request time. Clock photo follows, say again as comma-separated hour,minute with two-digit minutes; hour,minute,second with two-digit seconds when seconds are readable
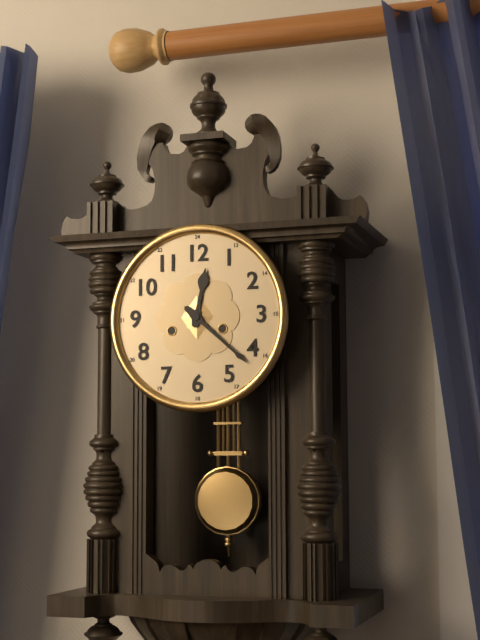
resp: 12,22
